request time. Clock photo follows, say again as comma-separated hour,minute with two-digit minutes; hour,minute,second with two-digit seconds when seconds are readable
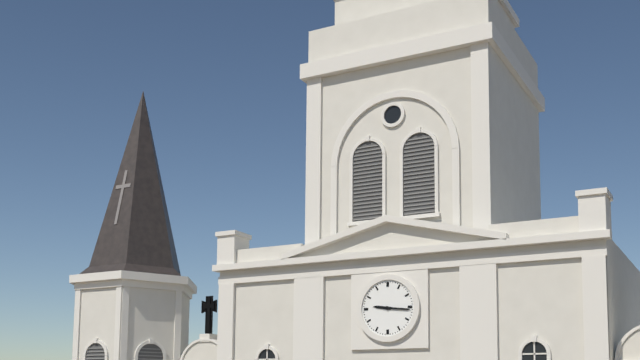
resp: 9,16
